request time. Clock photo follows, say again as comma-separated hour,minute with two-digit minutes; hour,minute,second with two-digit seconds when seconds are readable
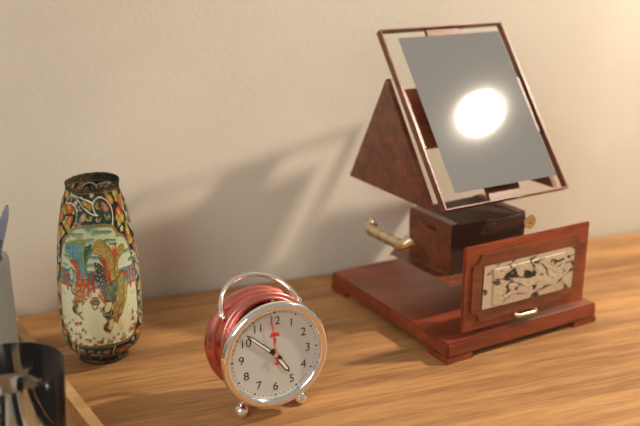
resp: 4,52,59
